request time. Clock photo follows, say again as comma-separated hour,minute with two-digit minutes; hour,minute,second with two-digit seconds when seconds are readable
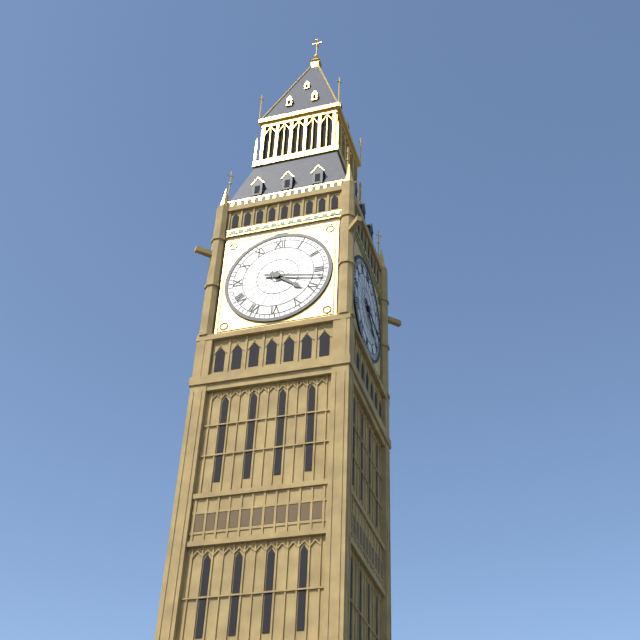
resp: 4,17
